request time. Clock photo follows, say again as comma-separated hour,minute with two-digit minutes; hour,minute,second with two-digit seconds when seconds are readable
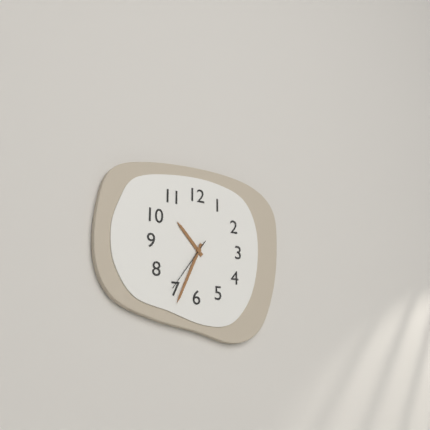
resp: 10,34,36
